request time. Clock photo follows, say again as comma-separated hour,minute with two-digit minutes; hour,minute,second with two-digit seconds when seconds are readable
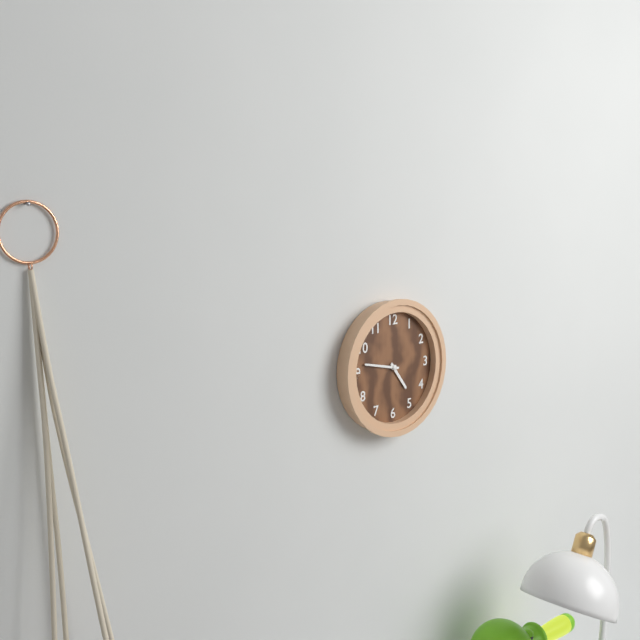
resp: 4,47
